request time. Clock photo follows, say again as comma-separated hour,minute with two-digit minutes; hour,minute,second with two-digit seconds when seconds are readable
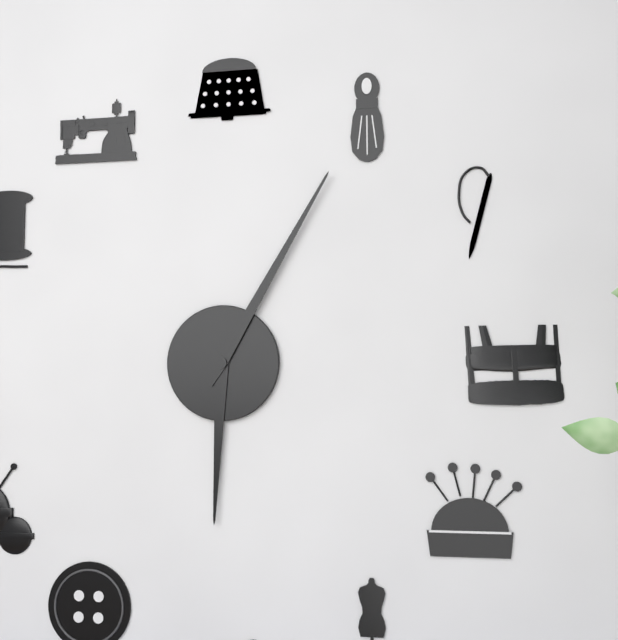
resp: 6,05
